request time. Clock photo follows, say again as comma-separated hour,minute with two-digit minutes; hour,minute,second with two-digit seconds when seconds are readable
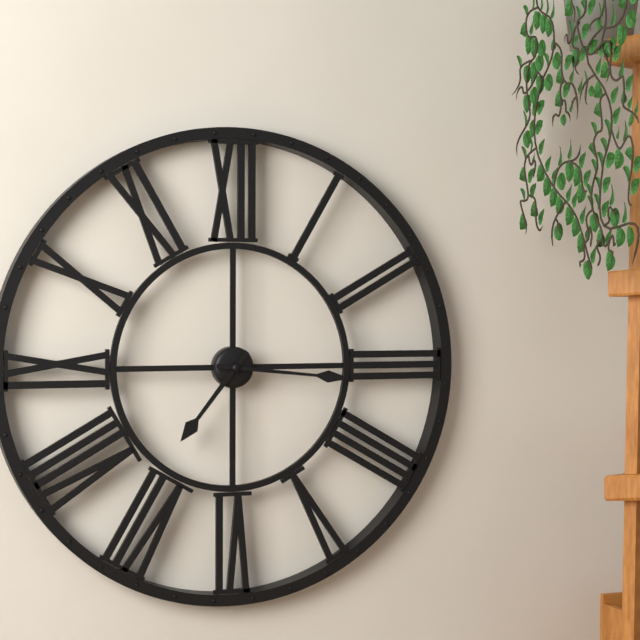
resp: 7,16
